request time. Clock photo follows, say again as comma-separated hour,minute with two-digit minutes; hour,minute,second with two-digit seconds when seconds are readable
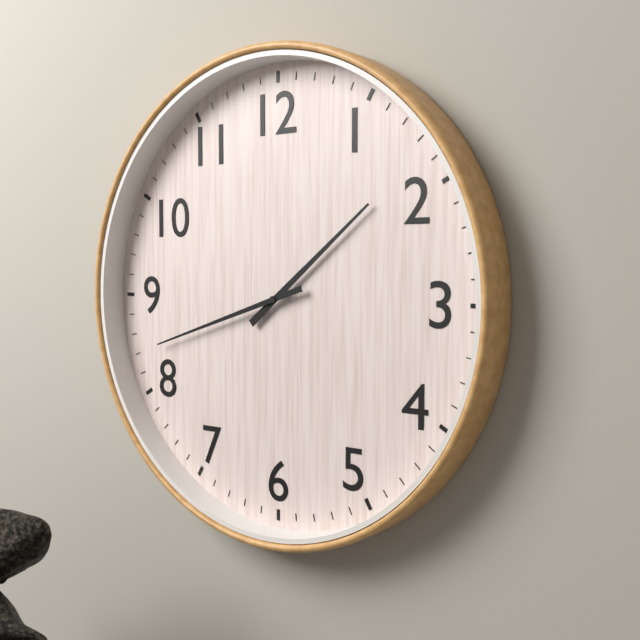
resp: 1,42
